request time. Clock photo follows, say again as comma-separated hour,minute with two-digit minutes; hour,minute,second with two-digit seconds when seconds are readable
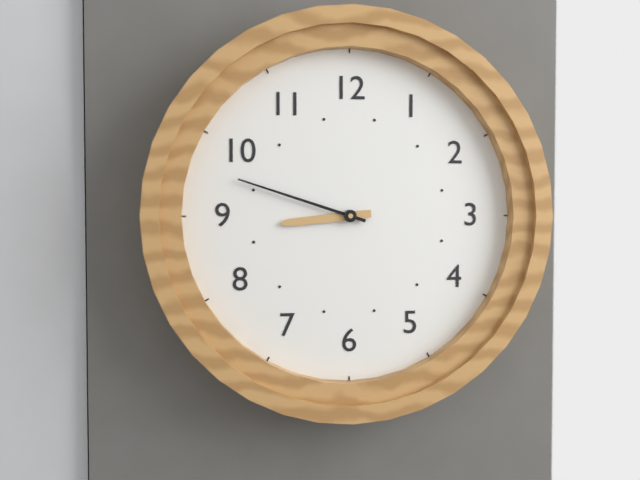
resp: 8,48
